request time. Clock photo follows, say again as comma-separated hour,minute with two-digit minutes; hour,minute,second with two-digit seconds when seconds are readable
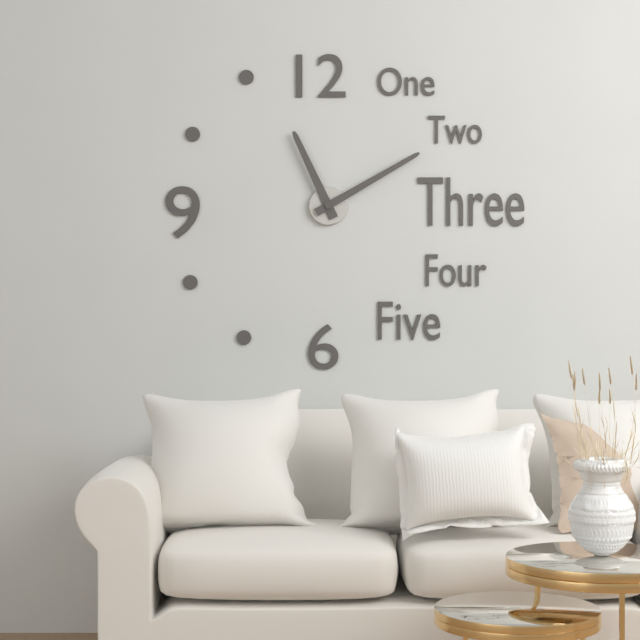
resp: 11,10
